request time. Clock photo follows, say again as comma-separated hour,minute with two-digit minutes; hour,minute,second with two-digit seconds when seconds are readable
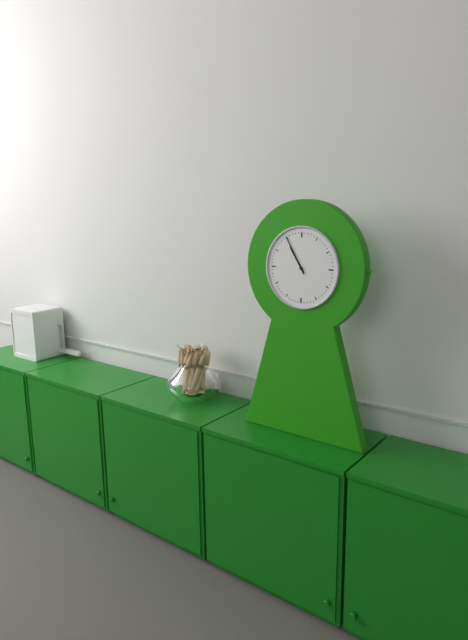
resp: 10,55
